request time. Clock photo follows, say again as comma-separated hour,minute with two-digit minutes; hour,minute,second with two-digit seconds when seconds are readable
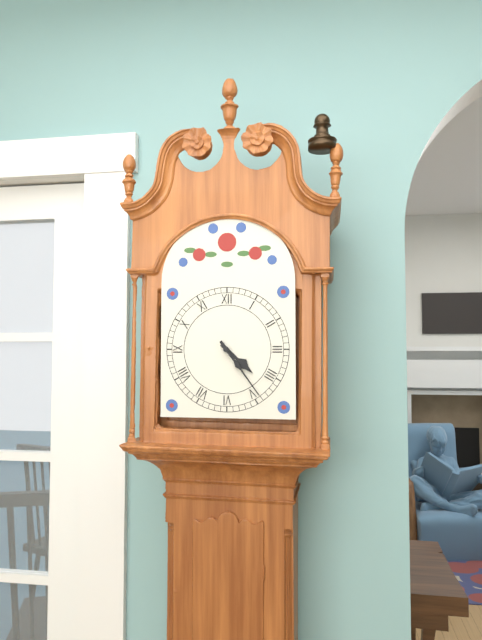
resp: 4,24
